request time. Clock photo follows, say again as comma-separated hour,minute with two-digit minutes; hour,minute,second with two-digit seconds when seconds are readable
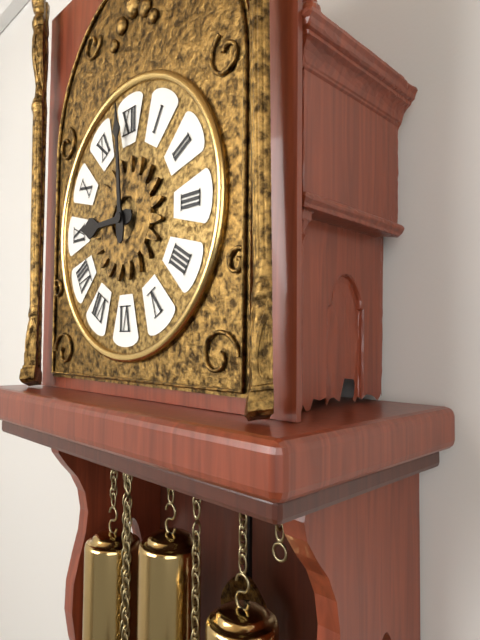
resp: 8,59
